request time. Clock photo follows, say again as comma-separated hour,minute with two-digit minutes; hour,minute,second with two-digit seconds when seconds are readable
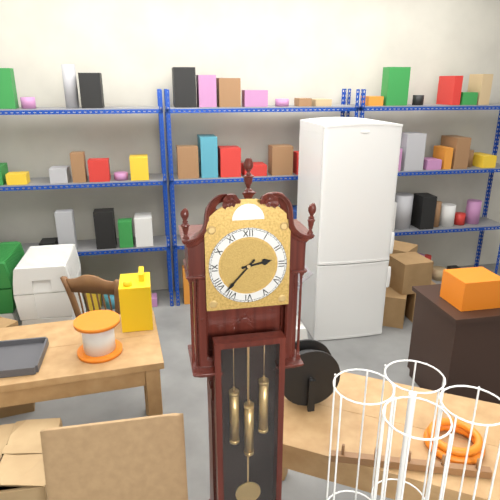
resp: 2,37
